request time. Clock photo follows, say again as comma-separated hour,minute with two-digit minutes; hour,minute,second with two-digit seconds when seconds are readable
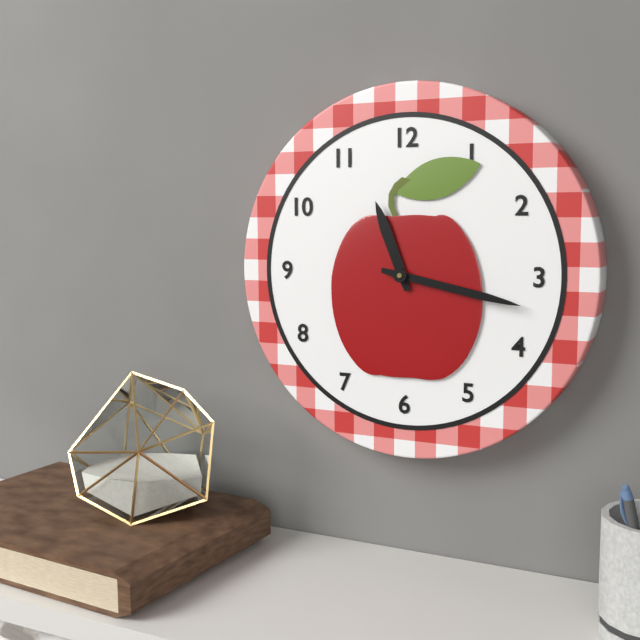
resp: 11,17
